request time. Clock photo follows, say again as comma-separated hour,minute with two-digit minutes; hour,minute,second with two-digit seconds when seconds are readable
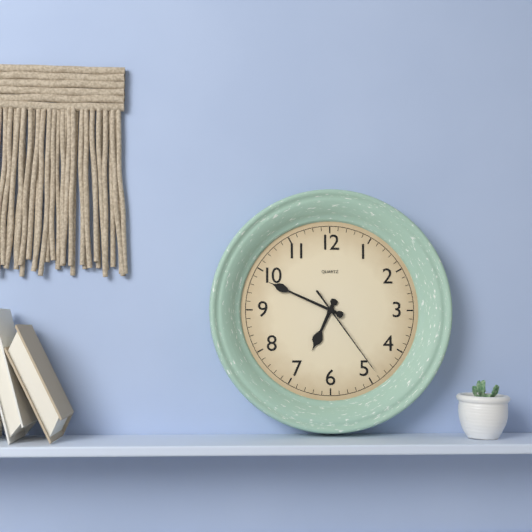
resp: 6,49,24
